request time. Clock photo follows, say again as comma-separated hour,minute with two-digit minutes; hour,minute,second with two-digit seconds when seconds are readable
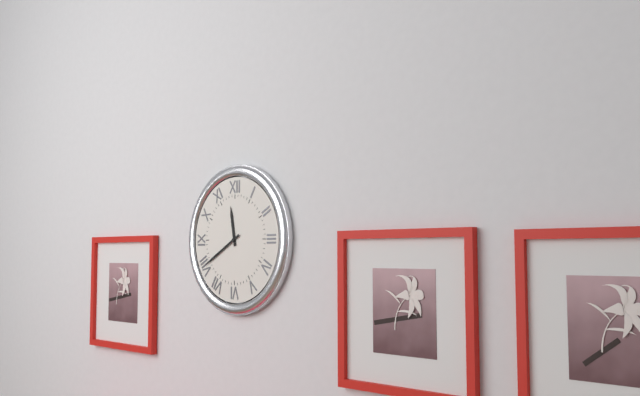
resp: 11,40
